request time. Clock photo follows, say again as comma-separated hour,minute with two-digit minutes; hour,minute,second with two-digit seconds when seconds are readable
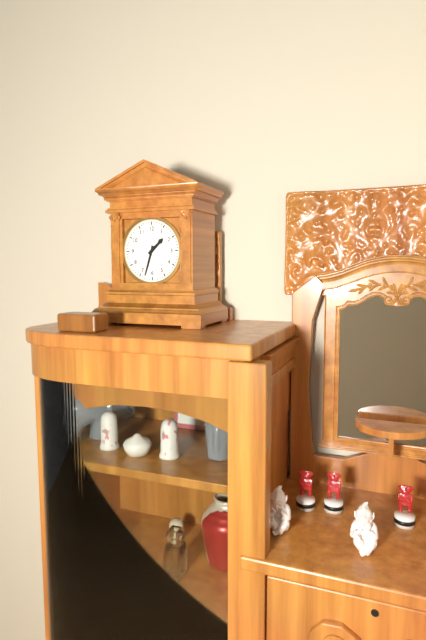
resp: 1,33
